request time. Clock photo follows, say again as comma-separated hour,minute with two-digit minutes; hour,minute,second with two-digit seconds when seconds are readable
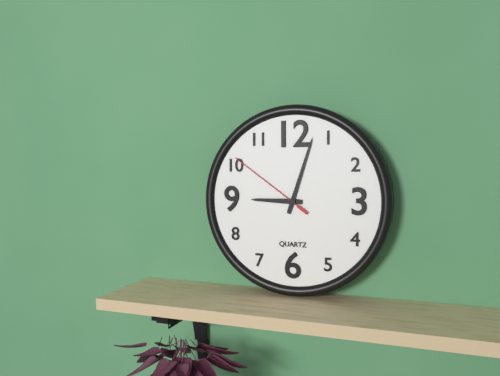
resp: 9,03,51
